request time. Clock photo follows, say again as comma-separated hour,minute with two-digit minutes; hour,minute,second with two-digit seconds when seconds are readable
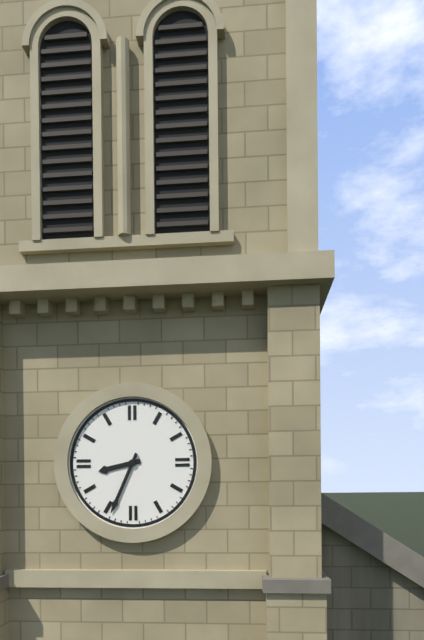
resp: 8,34
